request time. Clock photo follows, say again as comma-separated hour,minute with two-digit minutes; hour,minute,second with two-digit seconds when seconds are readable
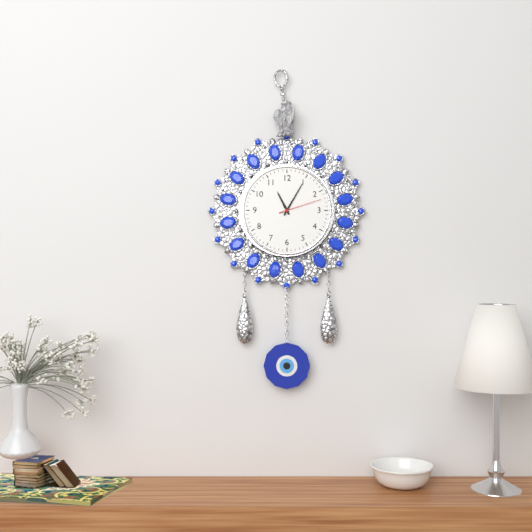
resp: 11,05
